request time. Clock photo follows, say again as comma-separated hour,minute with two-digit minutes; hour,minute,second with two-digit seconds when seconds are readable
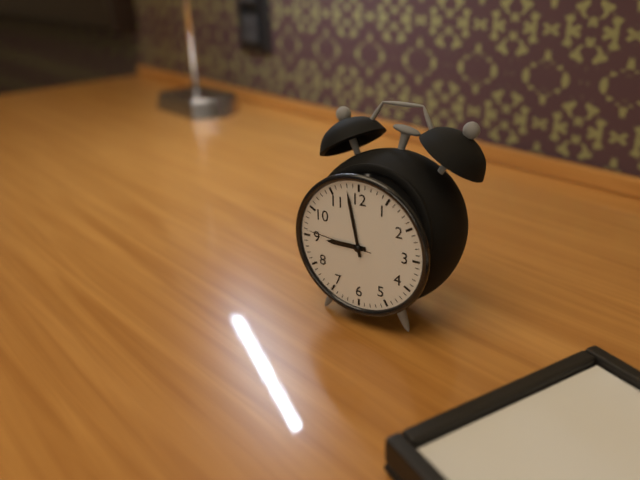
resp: 8,58,46
